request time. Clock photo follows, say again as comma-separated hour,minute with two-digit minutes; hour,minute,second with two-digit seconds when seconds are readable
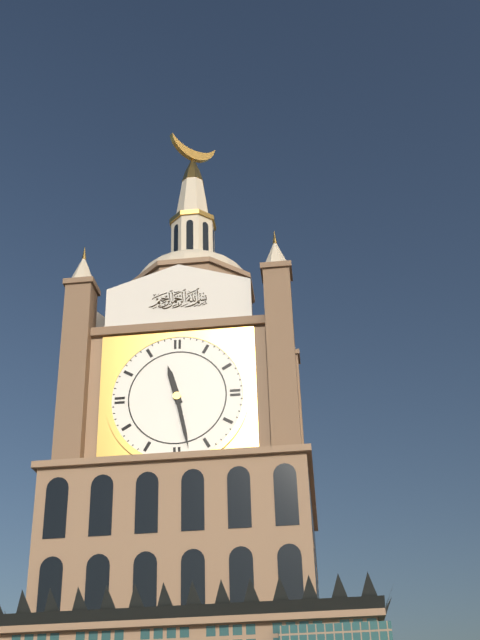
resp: 11,28
